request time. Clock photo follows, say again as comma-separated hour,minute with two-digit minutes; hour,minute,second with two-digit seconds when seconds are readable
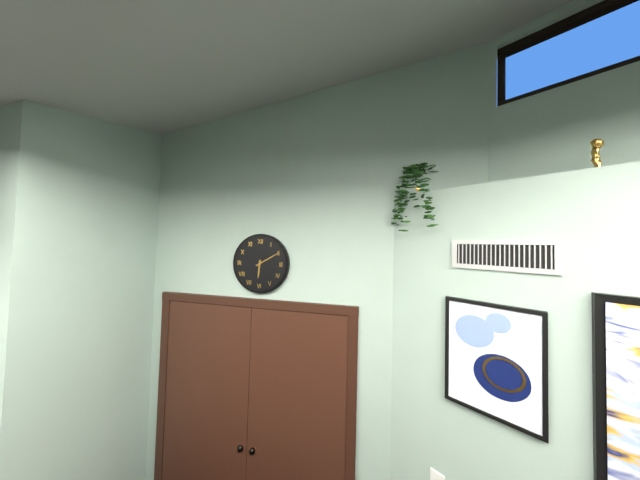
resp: 6,10
